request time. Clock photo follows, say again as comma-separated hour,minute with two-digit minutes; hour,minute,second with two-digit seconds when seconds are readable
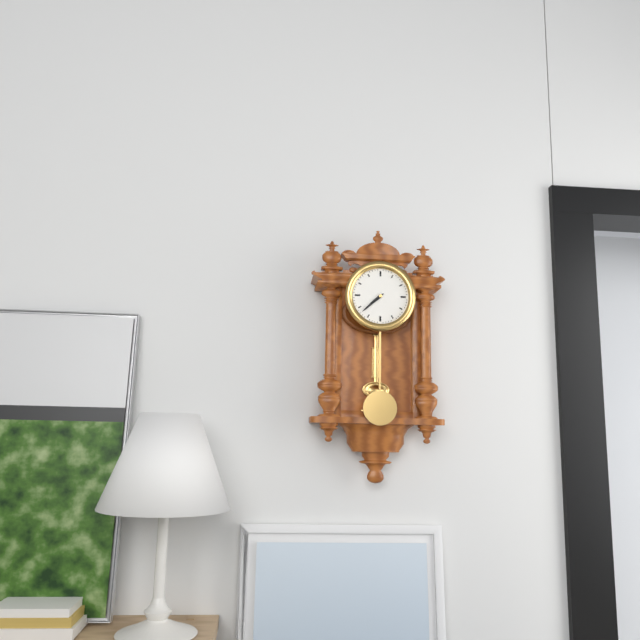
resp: 7,38
